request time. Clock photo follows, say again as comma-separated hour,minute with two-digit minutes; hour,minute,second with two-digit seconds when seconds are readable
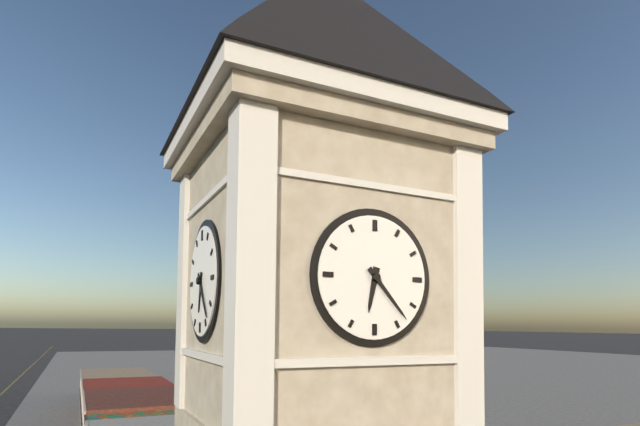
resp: 6,23
